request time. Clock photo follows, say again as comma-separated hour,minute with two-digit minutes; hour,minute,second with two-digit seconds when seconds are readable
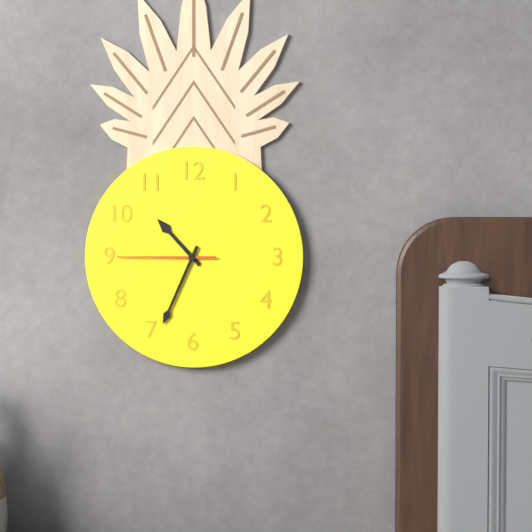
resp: 10,34,45
